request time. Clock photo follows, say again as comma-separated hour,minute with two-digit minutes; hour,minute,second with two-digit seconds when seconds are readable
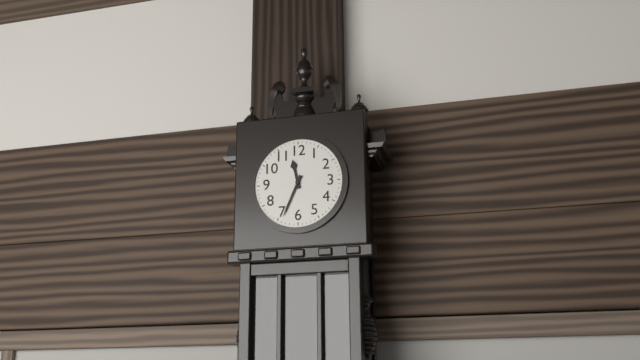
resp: 11,34
